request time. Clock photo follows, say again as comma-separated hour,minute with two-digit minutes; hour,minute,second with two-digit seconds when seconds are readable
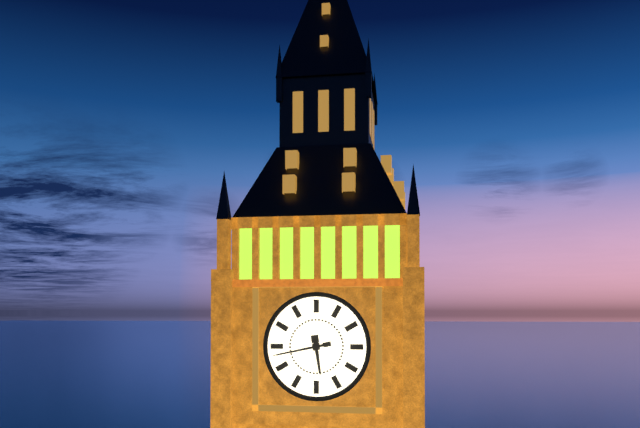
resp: 5,43
